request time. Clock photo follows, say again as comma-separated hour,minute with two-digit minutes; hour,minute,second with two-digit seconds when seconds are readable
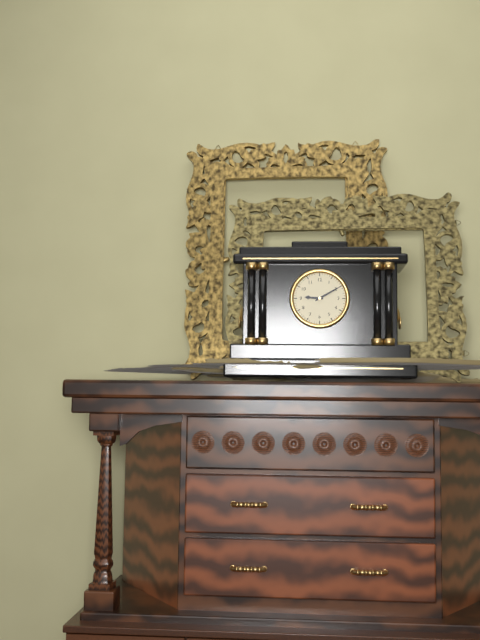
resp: 9,10
